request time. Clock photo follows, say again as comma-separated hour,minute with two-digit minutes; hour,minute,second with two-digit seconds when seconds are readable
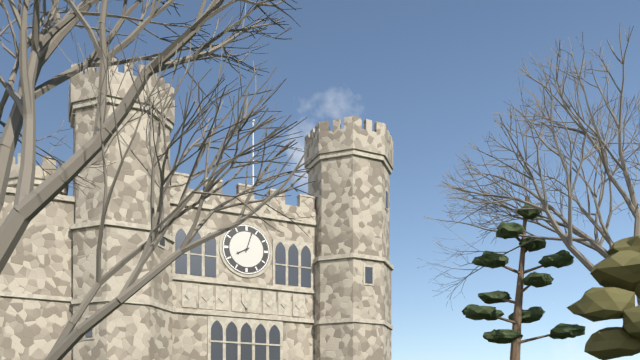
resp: 8,03
